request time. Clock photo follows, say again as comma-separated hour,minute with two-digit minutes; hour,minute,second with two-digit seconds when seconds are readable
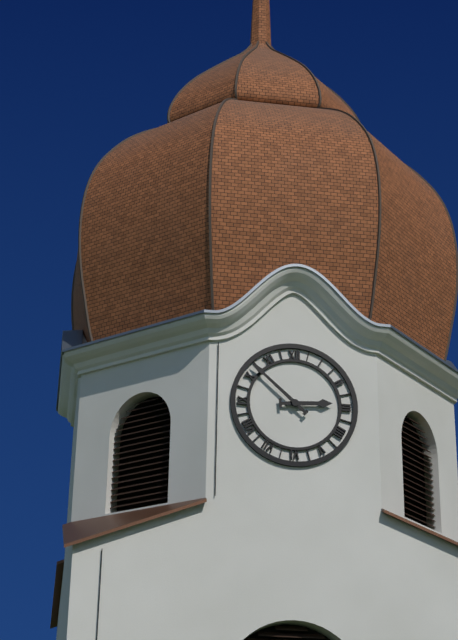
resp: 2,52
